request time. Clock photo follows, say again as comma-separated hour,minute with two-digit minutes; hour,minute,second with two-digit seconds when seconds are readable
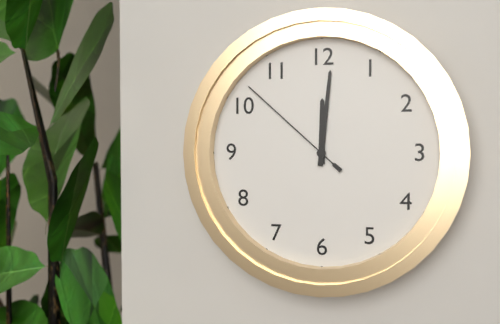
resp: 12,01,52
